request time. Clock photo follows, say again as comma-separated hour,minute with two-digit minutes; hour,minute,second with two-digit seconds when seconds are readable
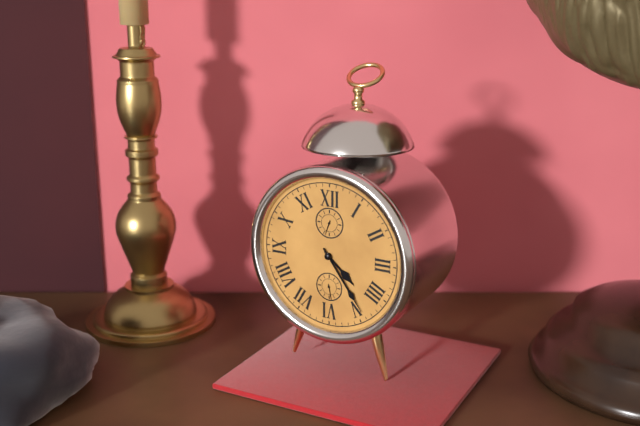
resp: 4,24
